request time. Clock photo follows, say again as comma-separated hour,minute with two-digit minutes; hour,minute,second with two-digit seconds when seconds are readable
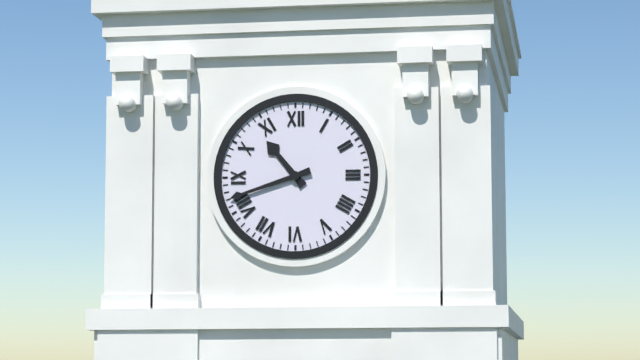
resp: 10,42
